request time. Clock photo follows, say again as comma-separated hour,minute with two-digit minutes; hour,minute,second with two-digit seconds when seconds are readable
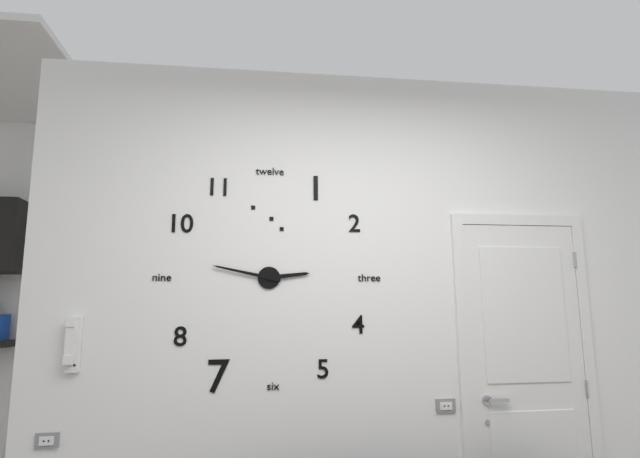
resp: 2,47
